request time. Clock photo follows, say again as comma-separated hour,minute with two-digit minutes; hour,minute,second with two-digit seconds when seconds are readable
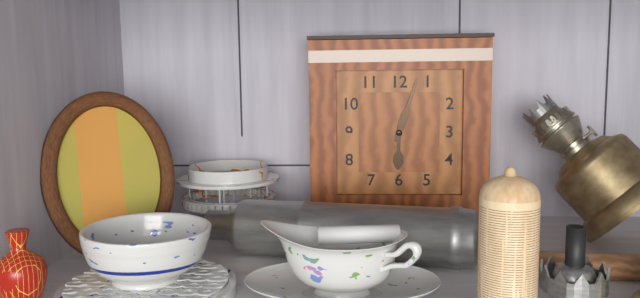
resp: 6,03
